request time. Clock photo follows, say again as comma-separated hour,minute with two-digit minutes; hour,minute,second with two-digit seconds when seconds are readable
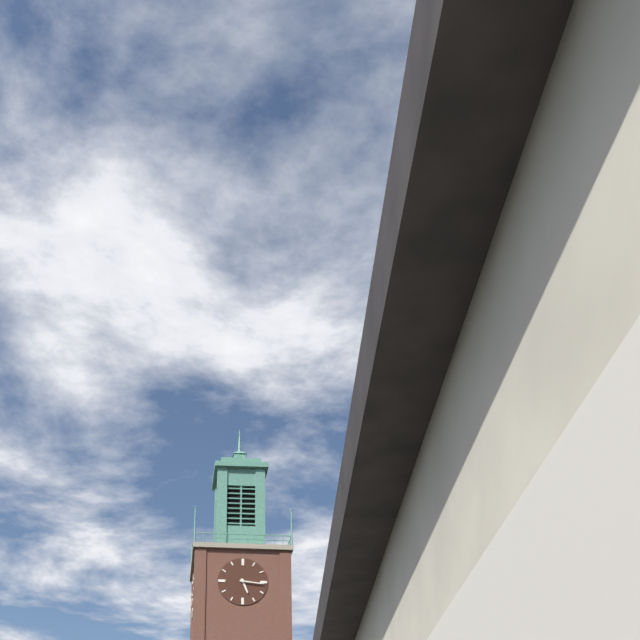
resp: 5,16
